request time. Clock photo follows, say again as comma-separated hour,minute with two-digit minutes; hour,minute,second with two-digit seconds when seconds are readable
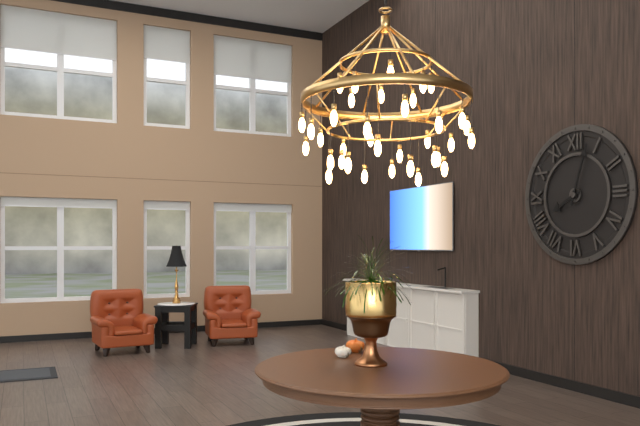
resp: 8,03
